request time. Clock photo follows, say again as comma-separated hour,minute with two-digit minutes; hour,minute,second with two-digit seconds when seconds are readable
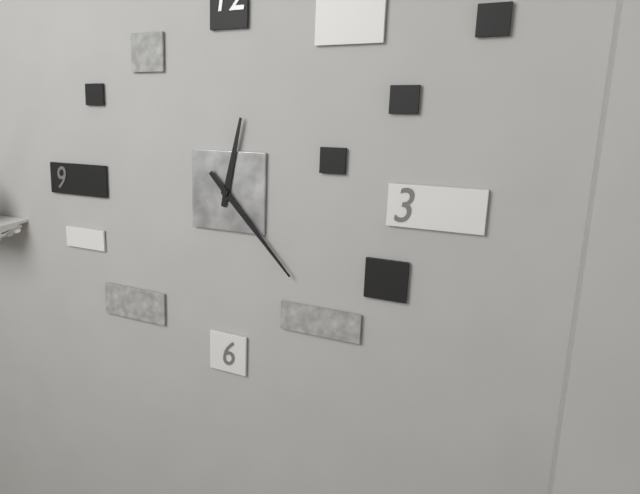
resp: 12,23
